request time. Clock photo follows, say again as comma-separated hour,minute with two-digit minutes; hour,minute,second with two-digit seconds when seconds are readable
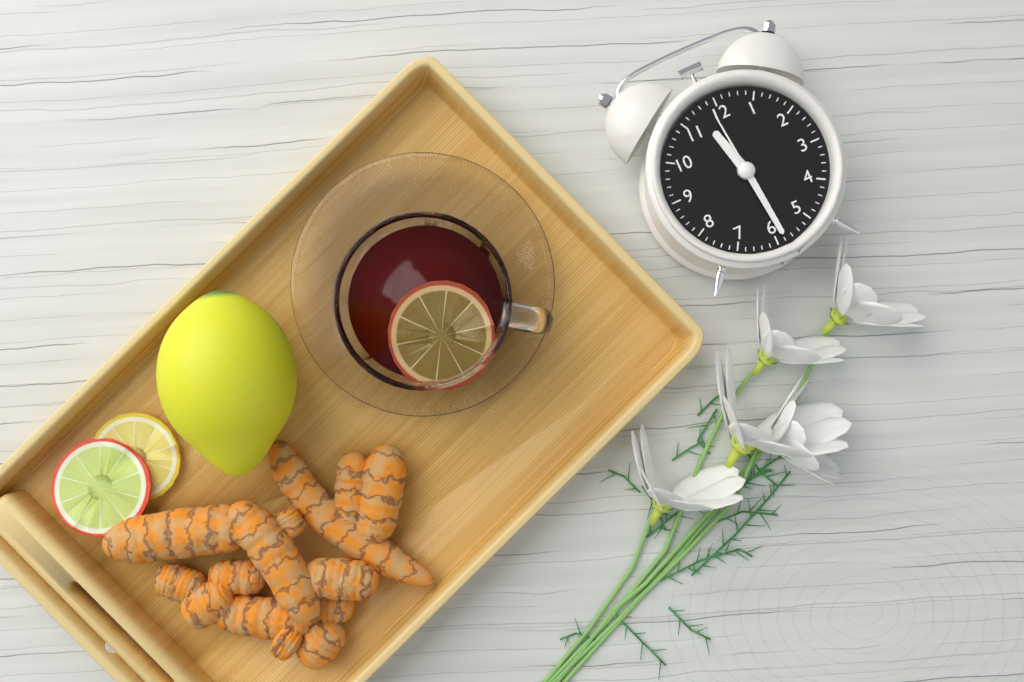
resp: 11,29,59
